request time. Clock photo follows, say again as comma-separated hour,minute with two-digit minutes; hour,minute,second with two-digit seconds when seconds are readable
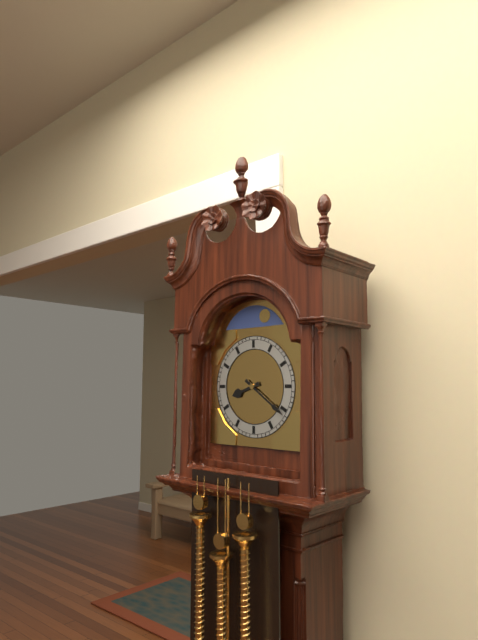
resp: 8,21
